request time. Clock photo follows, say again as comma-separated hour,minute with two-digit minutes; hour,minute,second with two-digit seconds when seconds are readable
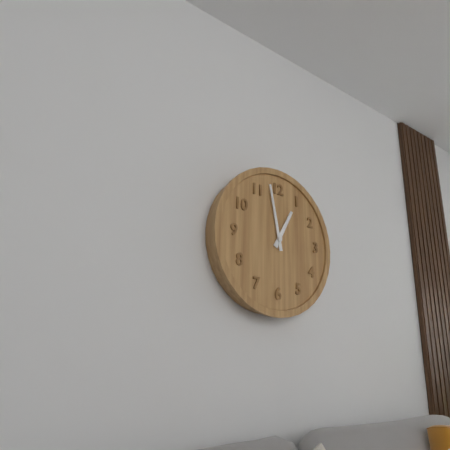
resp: 12,58
